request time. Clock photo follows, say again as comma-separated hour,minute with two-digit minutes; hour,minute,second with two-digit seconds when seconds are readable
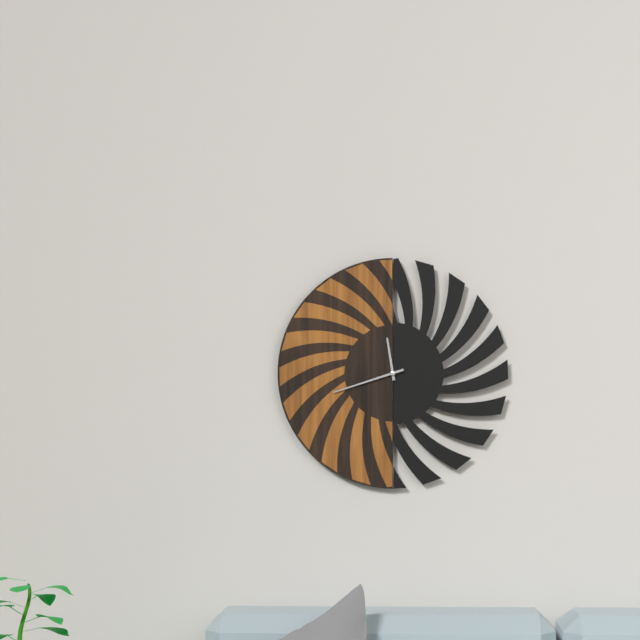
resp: 11,42
